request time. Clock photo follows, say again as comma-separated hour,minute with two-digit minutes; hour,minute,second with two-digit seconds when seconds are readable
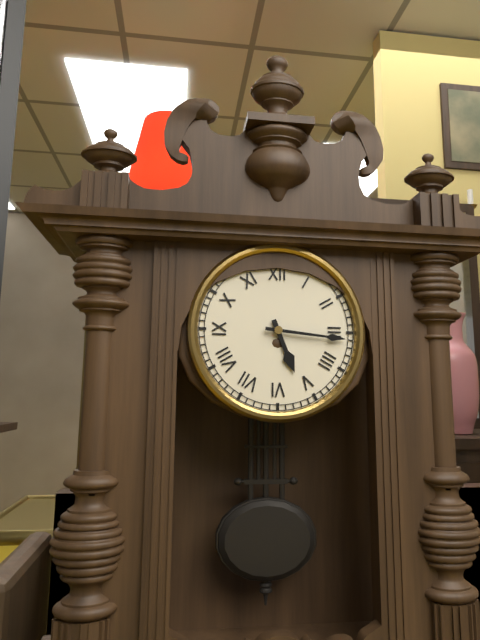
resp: 5,16
